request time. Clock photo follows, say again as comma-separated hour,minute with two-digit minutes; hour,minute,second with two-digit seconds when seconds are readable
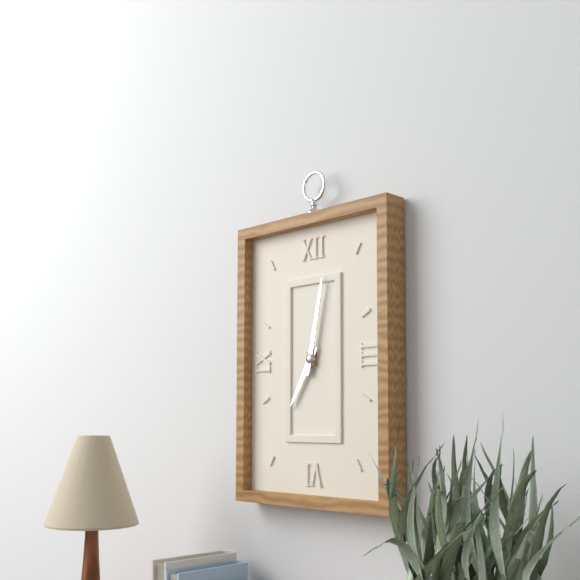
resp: 7,02
